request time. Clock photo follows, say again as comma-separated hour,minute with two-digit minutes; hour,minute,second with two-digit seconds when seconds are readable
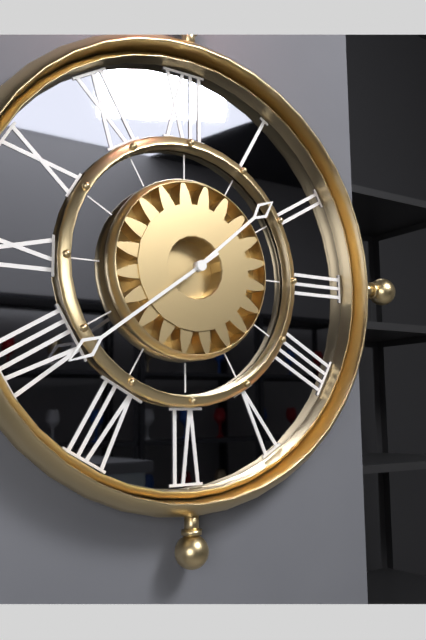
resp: 1,39
